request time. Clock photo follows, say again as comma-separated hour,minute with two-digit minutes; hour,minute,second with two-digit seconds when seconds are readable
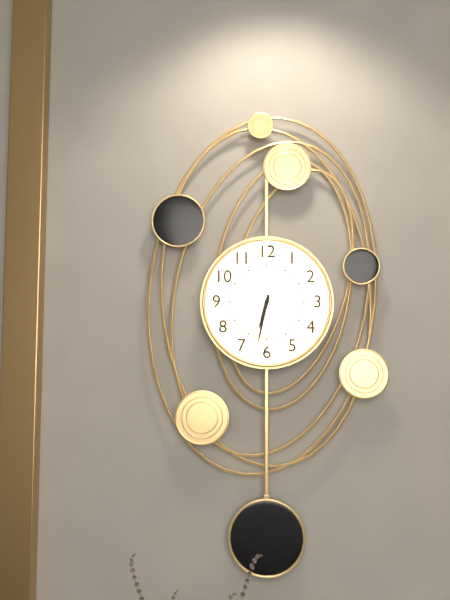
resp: 6,32
